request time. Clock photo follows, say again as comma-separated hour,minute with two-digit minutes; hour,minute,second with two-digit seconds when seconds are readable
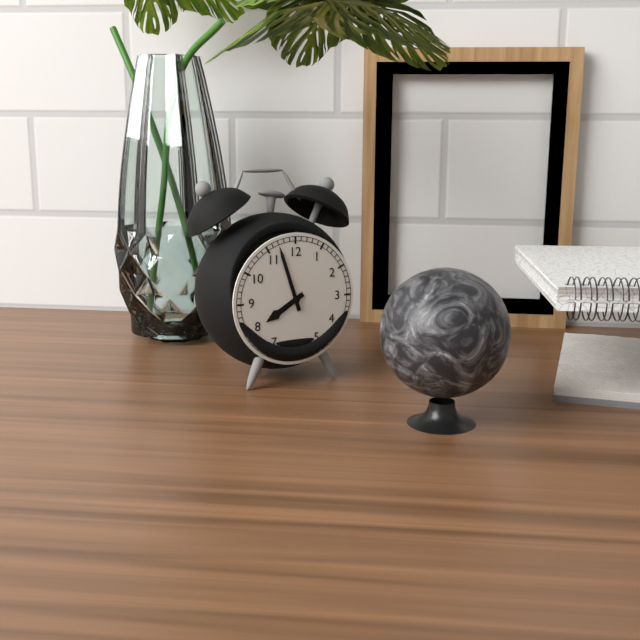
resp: 7,57
